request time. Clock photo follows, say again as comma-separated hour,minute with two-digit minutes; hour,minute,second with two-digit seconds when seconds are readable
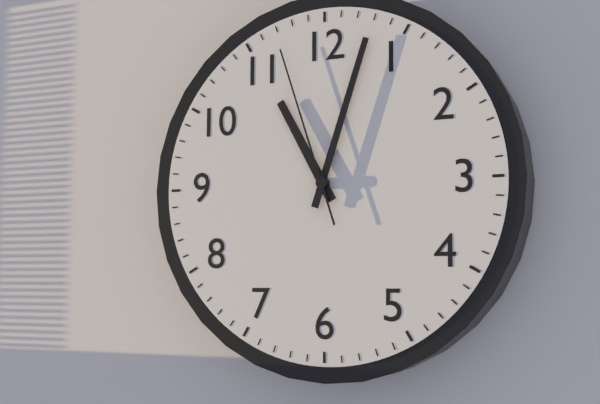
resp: 11,03,57
